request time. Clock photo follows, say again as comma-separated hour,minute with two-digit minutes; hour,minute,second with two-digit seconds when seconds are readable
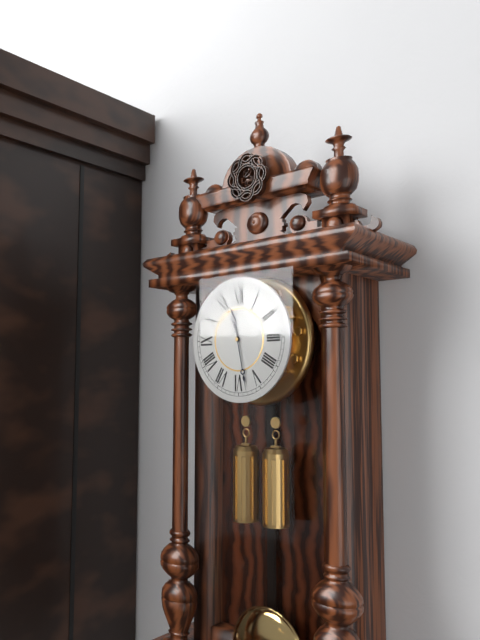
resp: 11,28
